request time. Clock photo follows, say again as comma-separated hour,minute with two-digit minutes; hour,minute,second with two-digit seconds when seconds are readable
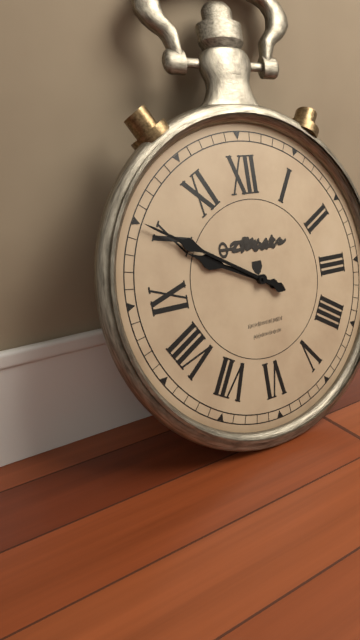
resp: 9,50
